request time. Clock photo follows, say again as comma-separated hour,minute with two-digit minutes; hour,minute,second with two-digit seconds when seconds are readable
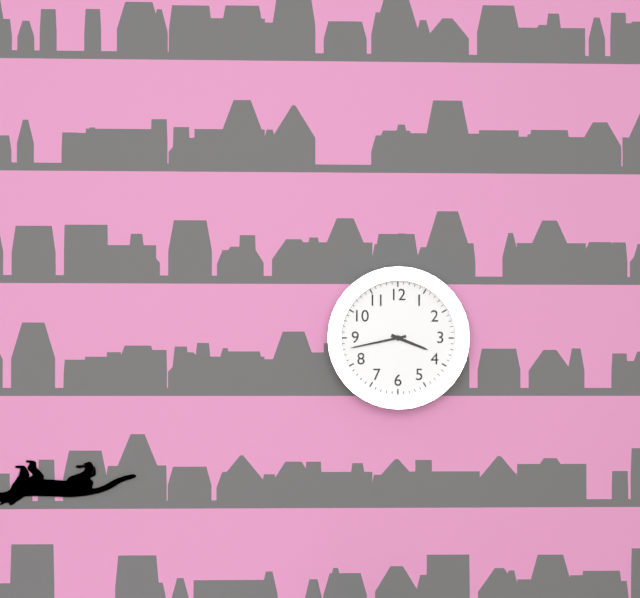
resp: 3,43
